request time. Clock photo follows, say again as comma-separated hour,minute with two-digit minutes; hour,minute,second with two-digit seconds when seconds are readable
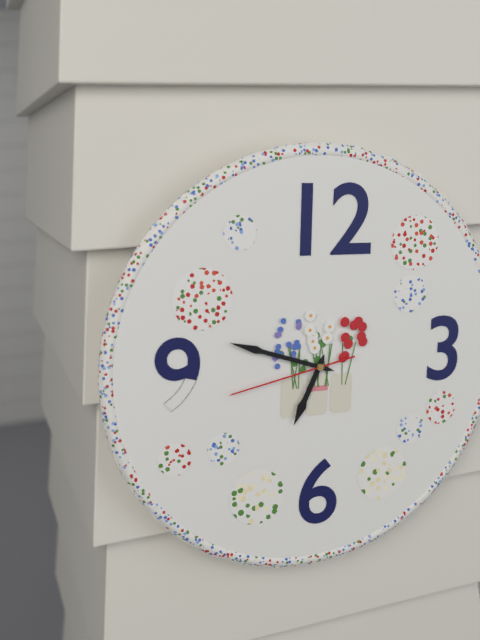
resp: 6,48,43
